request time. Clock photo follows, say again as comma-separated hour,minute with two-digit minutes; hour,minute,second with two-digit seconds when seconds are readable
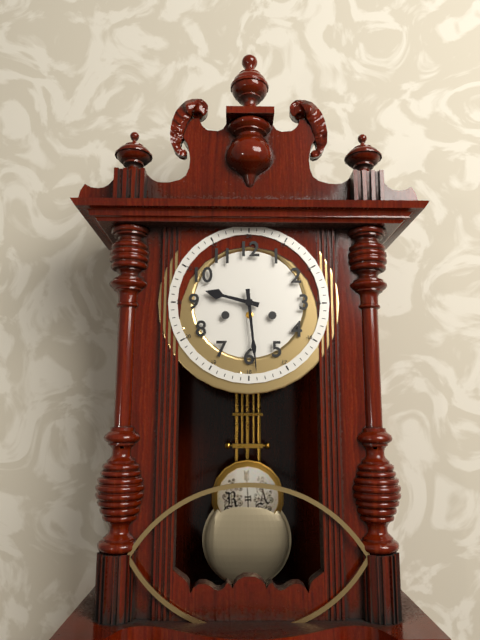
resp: 9,29
